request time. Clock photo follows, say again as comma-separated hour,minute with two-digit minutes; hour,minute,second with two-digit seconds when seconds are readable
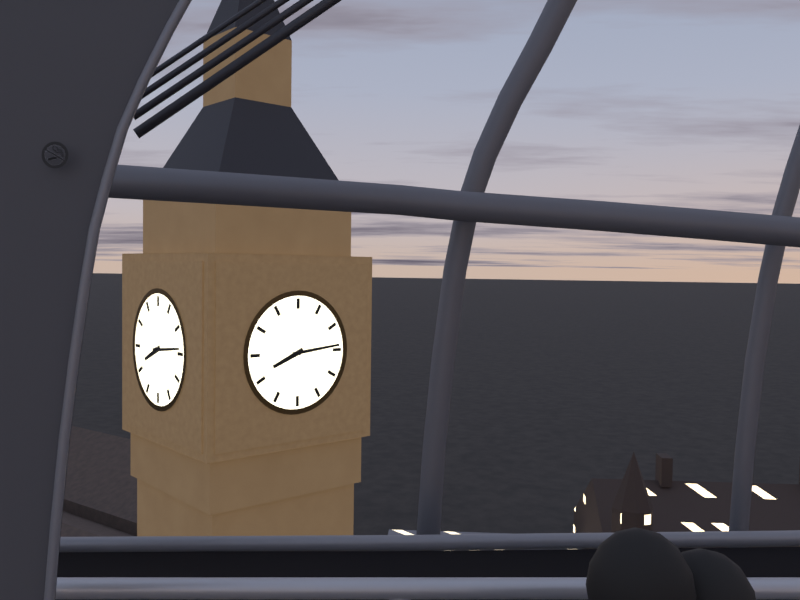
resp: 8,14
